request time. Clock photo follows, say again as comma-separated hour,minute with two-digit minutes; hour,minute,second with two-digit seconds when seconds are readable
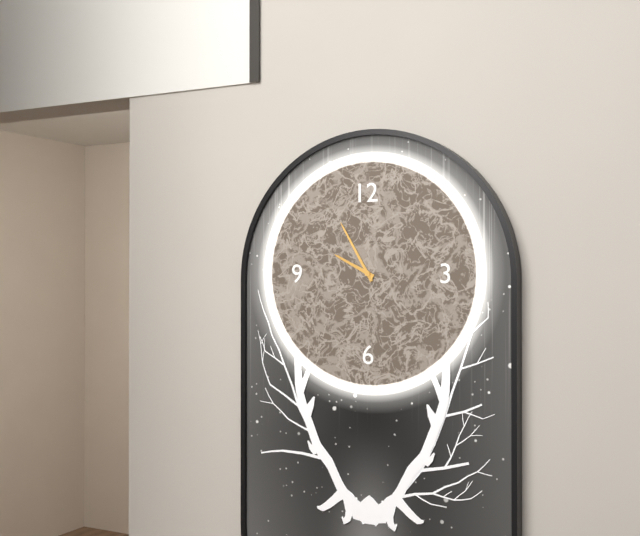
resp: 9,55
